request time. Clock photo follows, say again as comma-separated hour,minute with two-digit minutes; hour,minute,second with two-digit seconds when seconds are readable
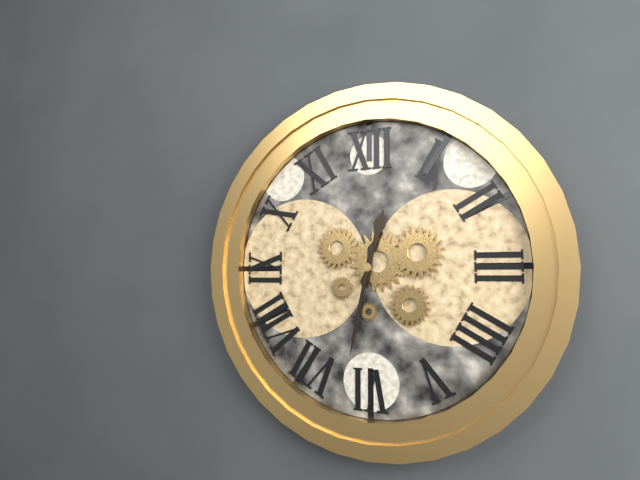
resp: 12,32
